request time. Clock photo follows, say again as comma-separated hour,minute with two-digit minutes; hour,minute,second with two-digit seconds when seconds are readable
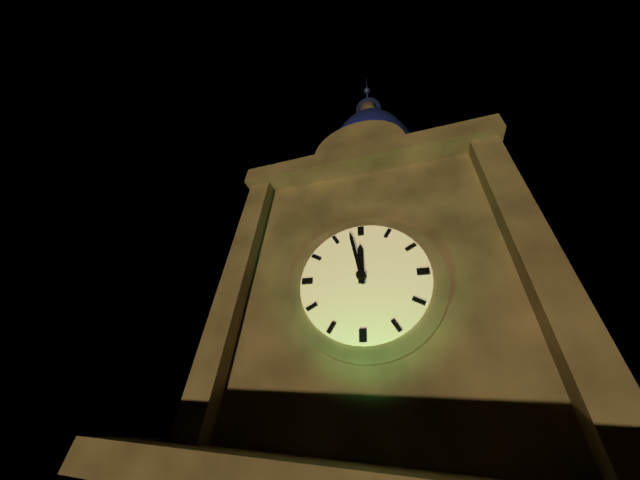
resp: 11,58
